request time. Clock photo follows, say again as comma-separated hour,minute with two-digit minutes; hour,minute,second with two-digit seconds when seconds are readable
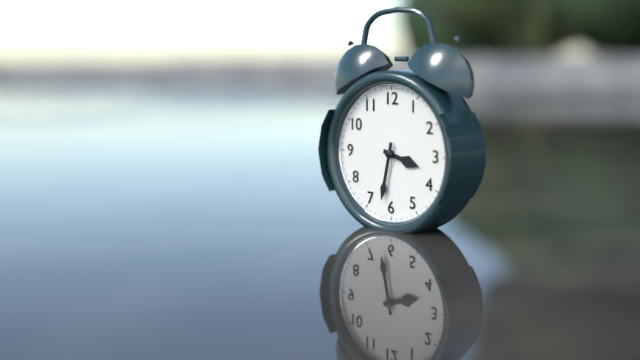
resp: 3,32
